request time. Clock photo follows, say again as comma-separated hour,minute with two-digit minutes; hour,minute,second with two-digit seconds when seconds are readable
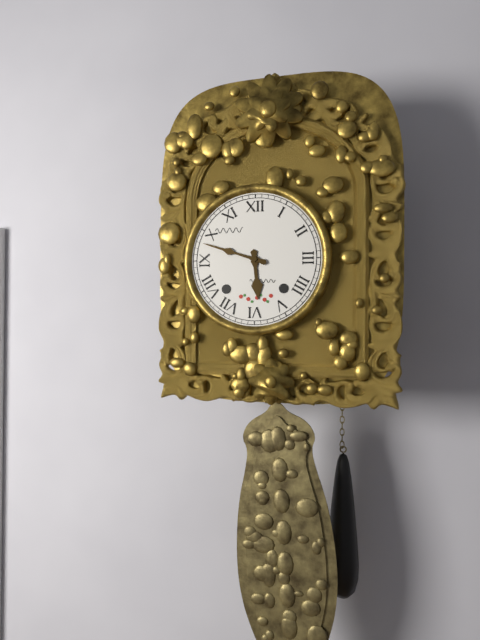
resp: 5,48
